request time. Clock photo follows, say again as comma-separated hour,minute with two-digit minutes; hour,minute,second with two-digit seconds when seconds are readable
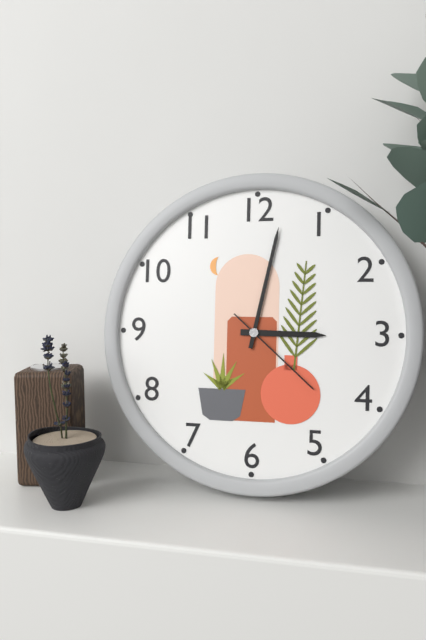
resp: 3,02,22
